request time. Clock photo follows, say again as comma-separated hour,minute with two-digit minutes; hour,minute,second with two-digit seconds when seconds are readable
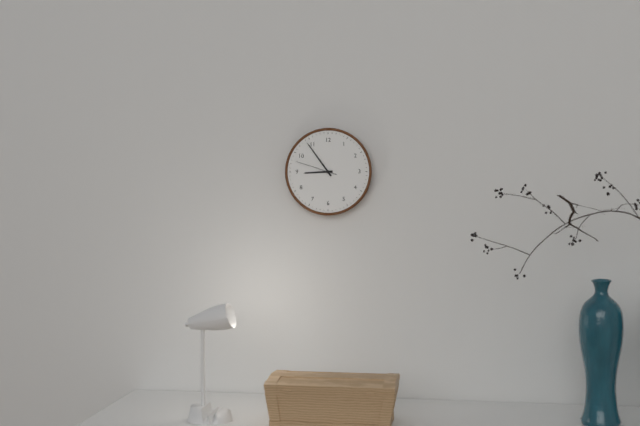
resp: 8,54
